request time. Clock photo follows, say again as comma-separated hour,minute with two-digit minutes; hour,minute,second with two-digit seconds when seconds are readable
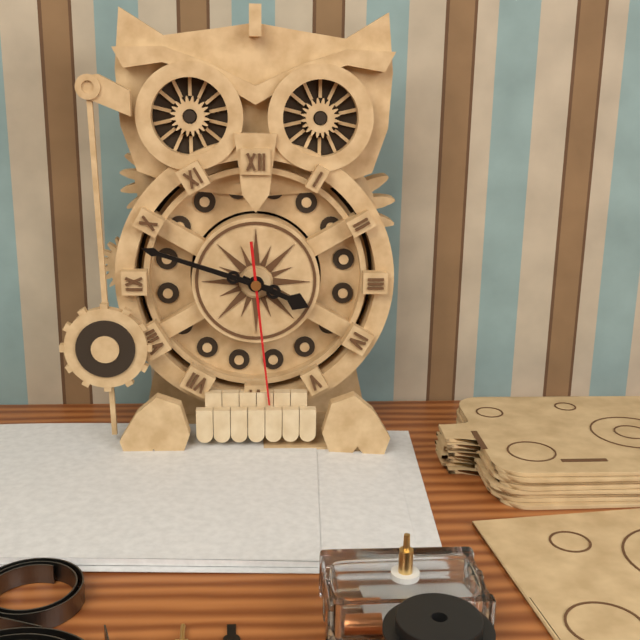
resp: 3,48,29
